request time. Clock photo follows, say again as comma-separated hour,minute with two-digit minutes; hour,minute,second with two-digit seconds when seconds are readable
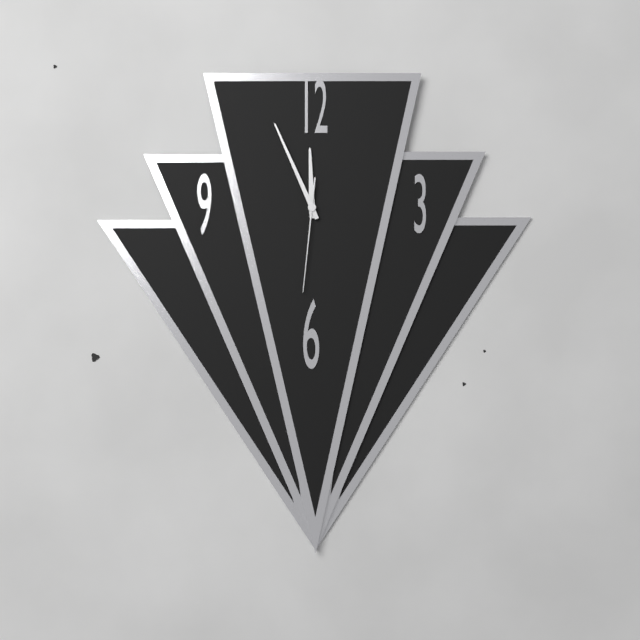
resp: 11,56,31
